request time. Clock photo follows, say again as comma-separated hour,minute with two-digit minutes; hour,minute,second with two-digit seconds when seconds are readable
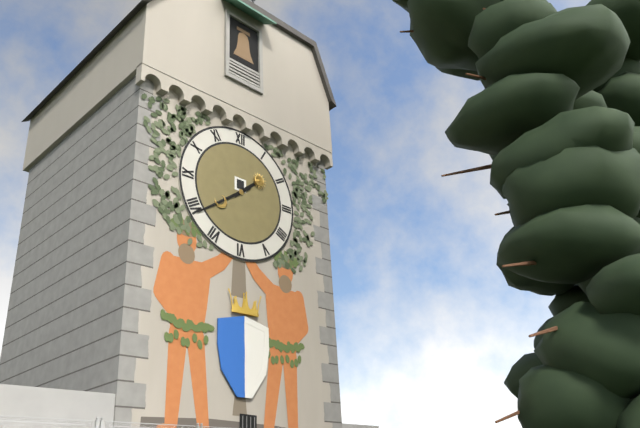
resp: 1,39
